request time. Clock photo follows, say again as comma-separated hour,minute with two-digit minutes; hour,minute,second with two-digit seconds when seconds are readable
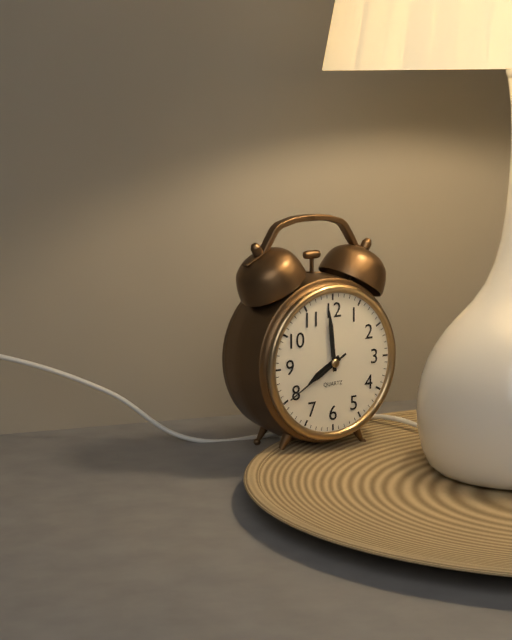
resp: 7,59,40
